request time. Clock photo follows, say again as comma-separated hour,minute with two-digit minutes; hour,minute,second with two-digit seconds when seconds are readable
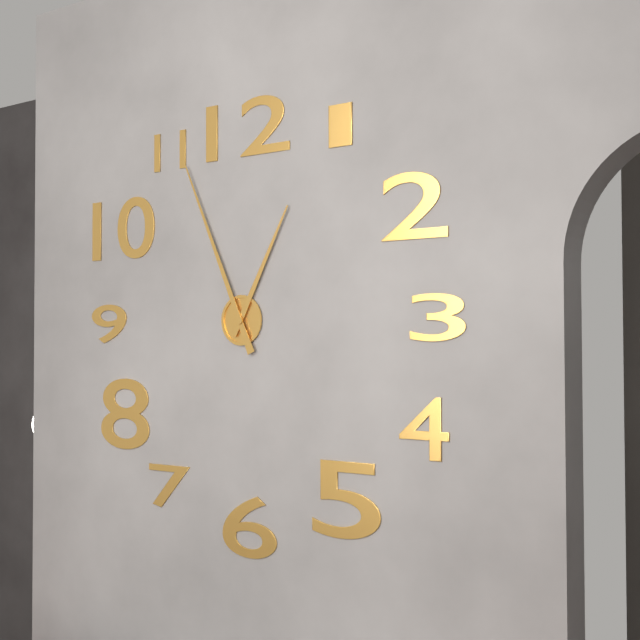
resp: 12,56
